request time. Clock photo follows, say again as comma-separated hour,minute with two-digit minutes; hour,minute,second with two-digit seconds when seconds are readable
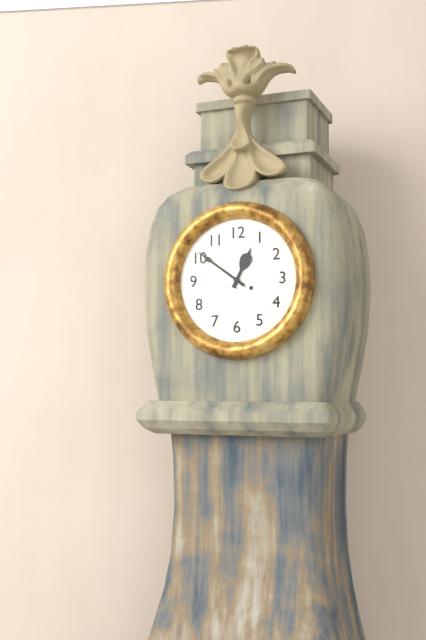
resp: 12,51
